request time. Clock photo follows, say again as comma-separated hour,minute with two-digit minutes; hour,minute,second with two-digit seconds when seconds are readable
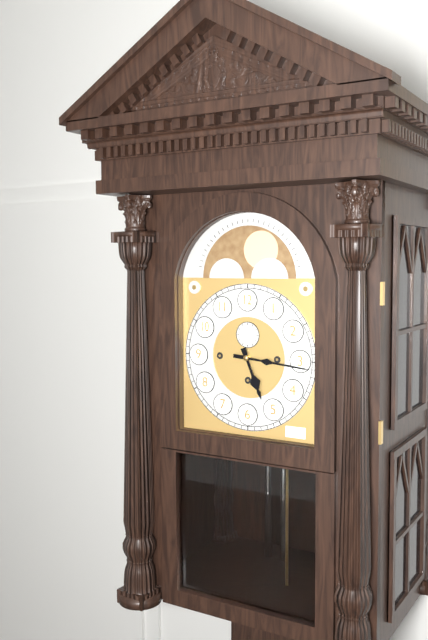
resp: 5,16
